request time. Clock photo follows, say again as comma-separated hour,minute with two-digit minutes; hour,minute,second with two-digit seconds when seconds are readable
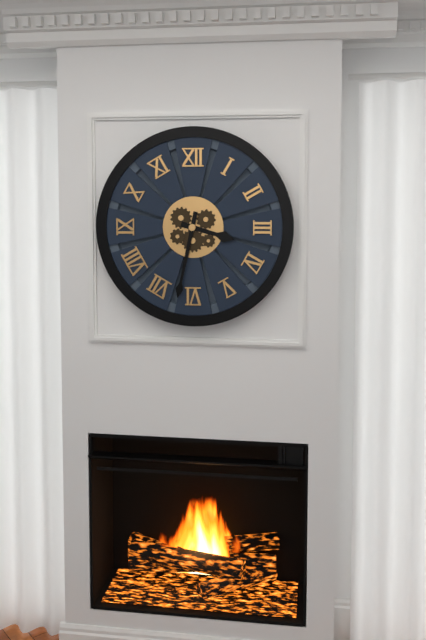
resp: 3,32
